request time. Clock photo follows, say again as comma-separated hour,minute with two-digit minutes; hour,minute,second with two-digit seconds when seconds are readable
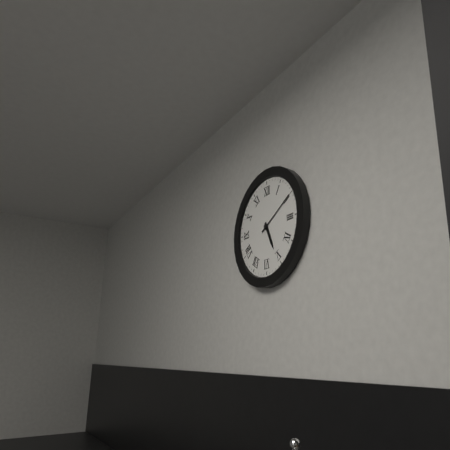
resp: 5,10
